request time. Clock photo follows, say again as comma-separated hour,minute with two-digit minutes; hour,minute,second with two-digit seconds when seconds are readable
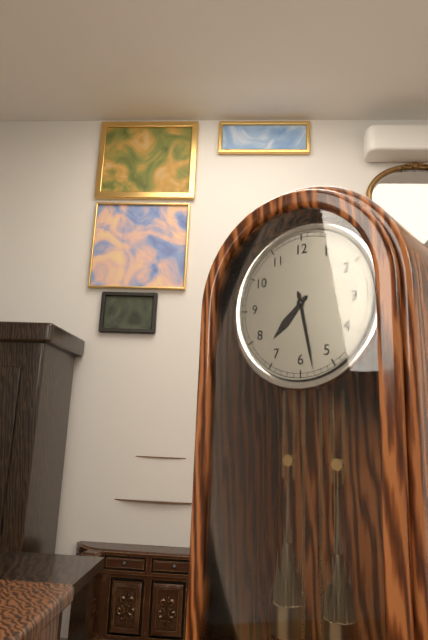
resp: 7,28
